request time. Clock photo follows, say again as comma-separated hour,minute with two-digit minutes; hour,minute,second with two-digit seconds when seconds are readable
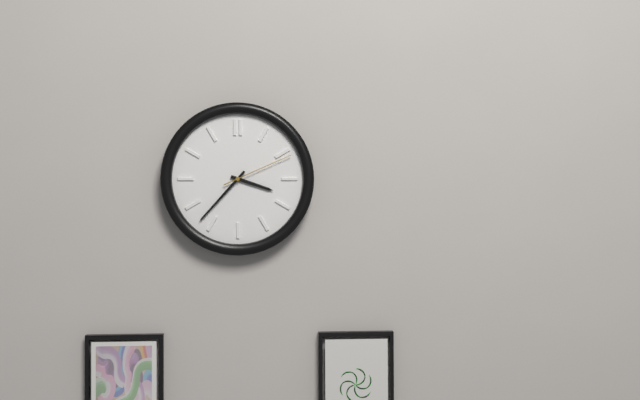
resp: 3,37,11
